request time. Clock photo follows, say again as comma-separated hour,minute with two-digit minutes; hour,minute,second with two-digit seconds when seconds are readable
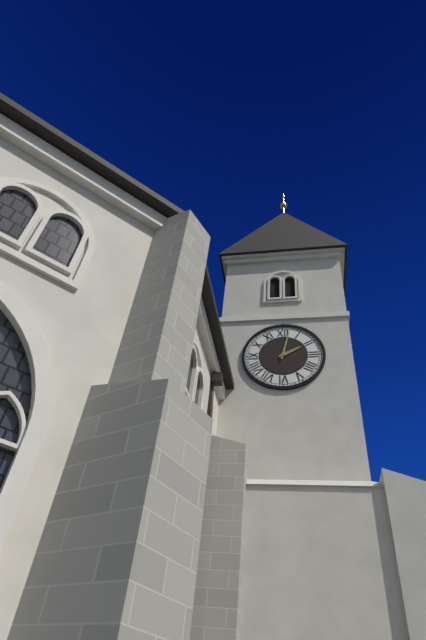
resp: 2,02
